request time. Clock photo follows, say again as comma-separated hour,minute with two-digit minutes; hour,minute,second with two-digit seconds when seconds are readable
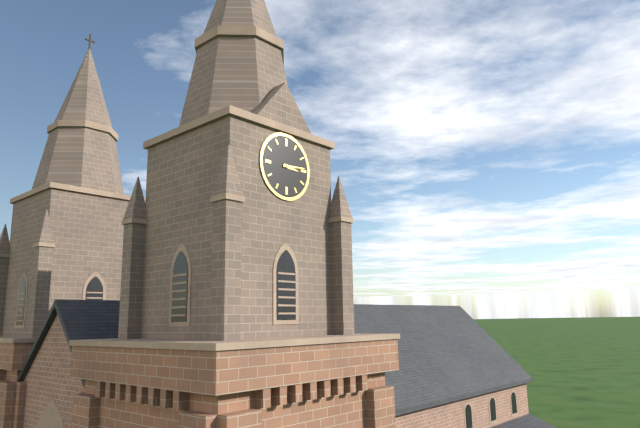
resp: 3,14
